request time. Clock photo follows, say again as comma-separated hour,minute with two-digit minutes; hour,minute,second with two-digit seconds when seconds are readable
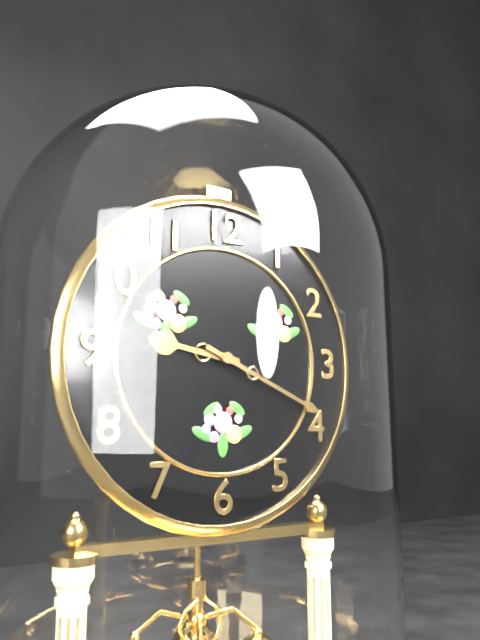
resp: 9,19
